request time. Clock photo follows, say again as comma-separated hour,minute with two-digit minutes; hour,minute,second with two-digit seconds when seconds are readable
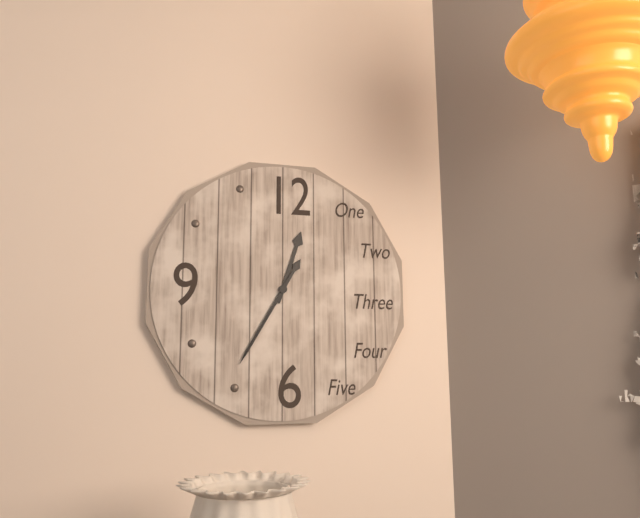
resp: 12,35
